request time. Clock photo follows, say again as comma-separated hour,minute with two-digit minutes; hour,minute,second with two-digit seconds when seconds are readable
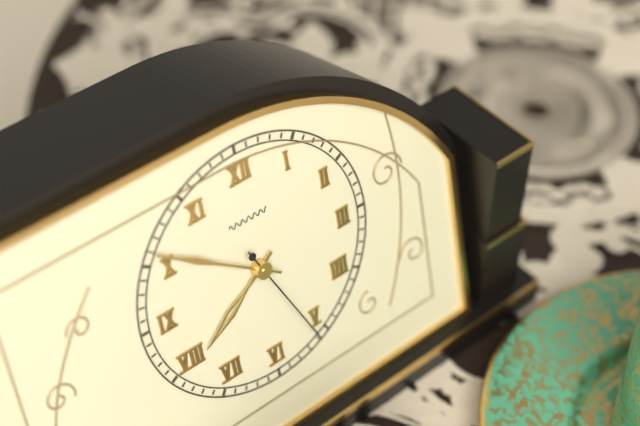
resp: 7,51,26
